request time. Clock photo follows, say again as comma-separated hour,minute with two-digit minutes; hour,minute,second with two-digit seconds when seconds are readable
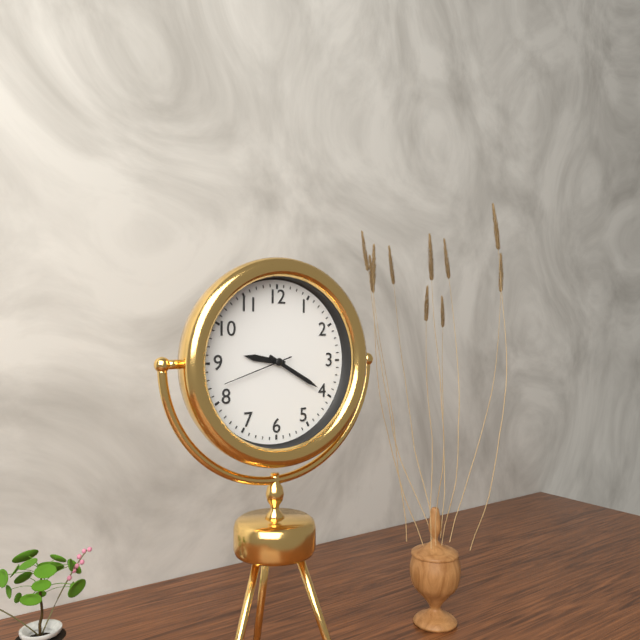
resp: 9,20,42
